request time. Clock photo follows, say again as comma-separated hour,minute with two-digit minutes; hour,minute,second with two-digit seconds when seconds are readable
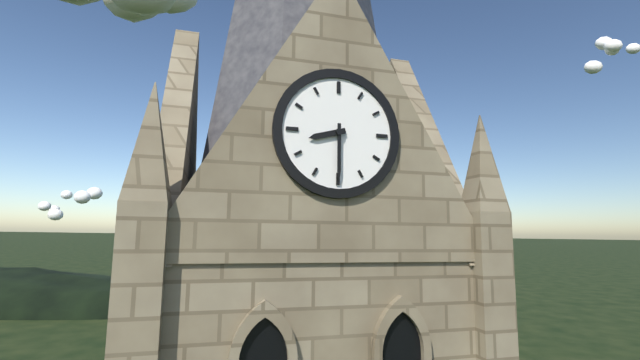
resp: 8,30
